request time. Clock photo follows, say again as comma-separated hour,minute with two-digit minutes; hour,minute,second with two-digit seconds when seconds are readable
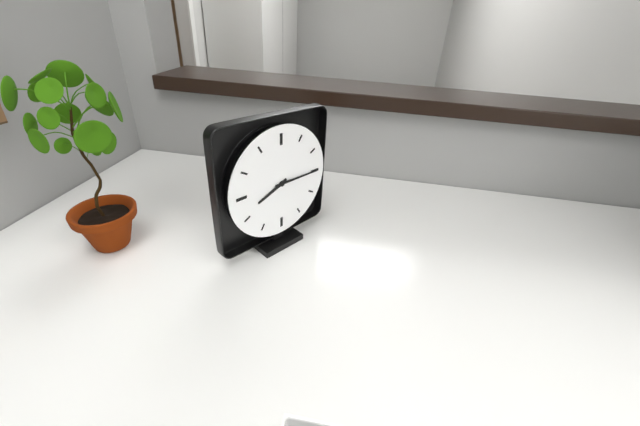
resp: 8,15
